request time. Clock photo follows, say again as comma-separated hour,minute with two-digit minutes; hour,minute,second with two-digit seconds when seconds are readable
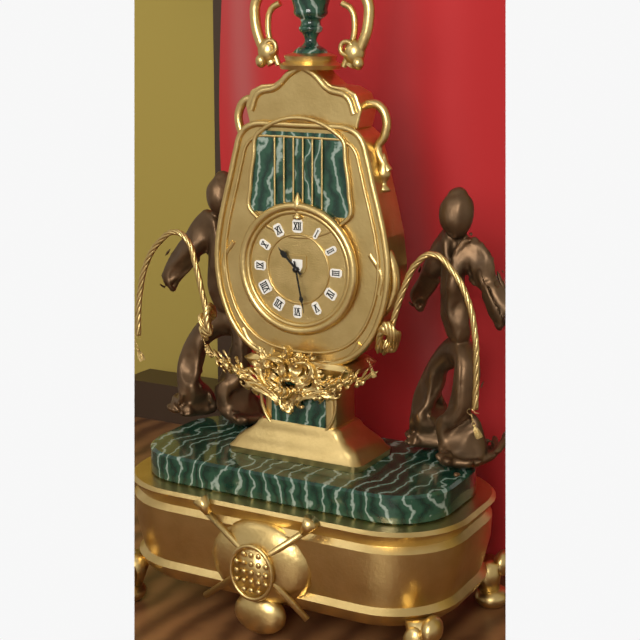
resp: 10,28
